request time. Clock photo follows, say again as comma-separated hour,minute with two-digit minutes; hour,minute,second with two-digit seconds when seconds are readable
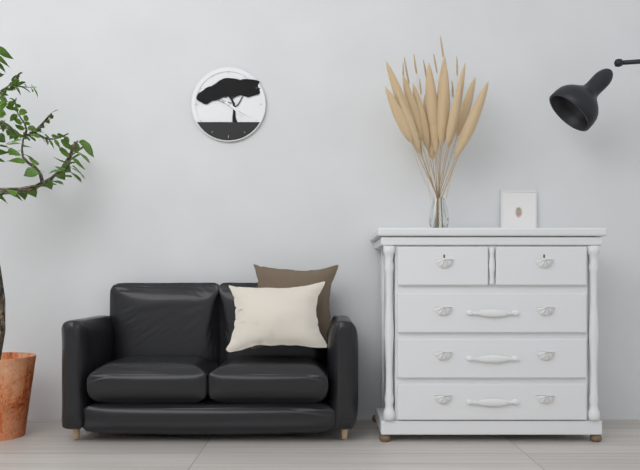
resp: 4,20
